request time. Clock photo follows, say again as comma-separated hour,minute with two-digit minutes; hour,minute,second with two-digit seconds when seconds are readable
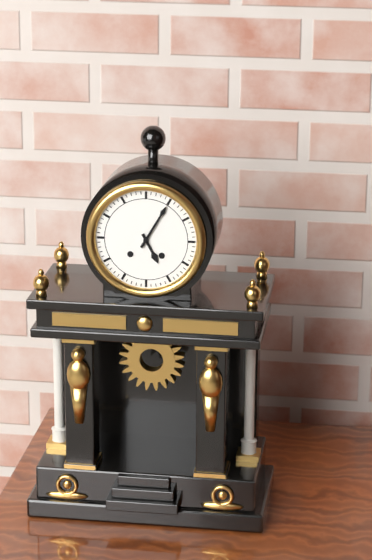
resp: 5,05
